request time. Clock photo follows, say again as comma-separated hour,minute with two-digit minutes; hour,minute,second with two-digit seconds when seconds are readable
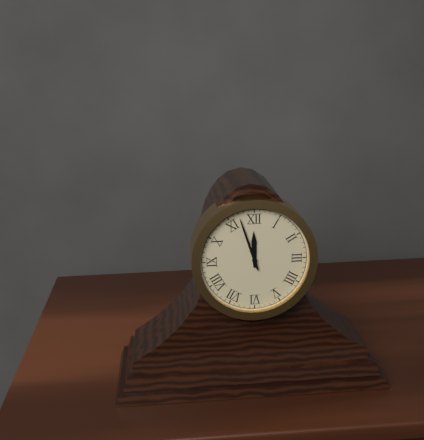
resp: 11,57
